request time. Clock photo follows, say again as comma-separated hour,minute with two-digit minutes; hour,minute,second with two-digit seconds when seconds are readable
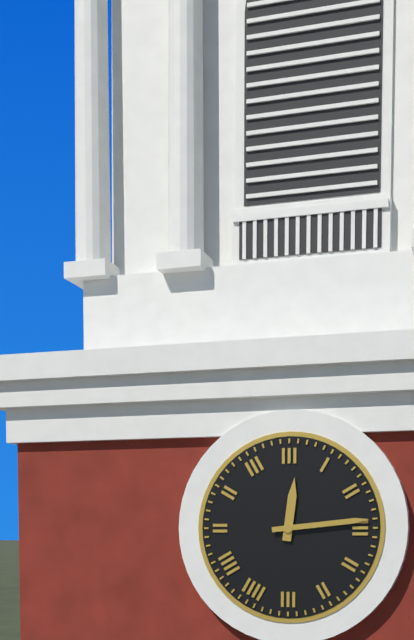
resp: 12,14
